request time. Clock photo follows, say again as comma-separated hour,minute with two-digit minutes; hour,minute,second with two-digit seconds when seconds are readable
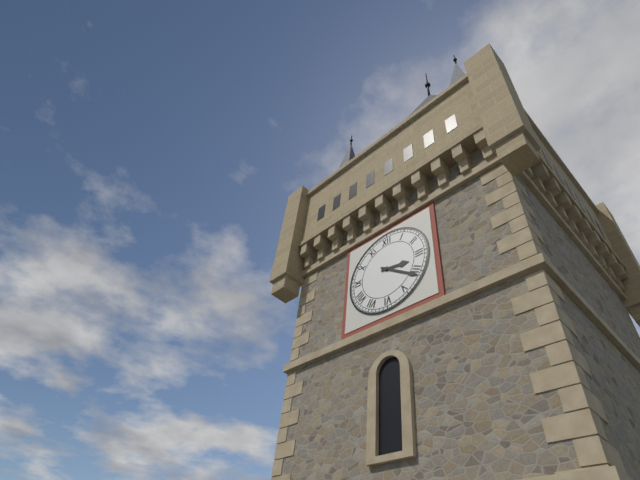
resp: 3,21
